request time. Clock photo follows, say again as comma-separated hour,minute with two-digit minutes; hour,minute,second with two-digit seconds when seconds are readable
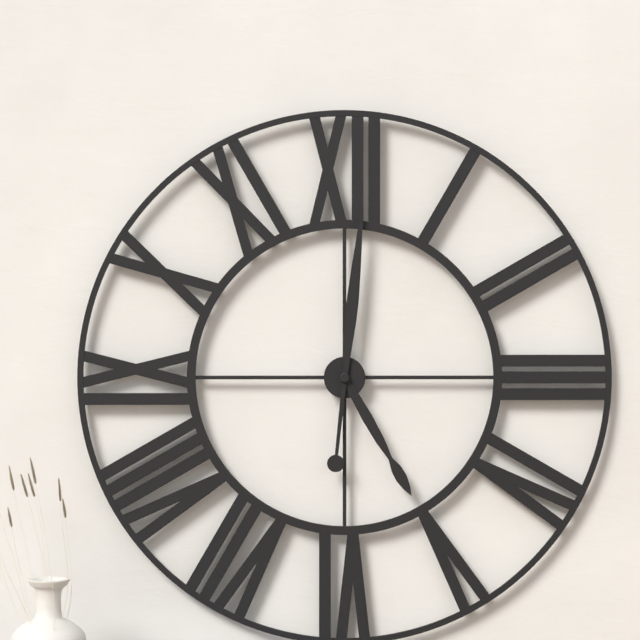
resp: 5,01
